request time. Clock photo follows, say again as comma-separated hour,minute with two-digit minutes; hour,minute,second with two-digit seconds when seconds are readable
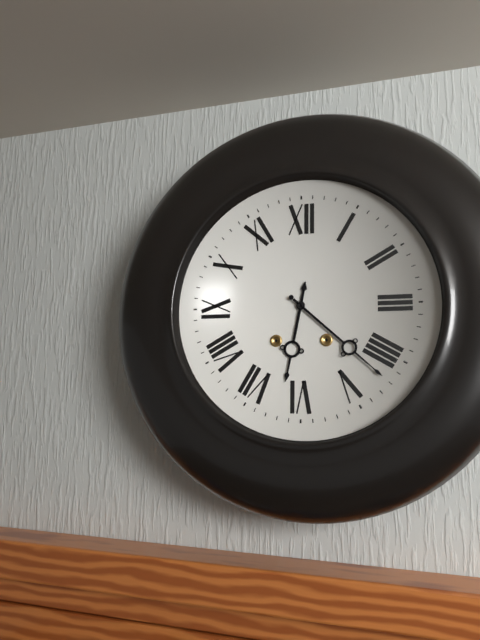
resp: 6,22
